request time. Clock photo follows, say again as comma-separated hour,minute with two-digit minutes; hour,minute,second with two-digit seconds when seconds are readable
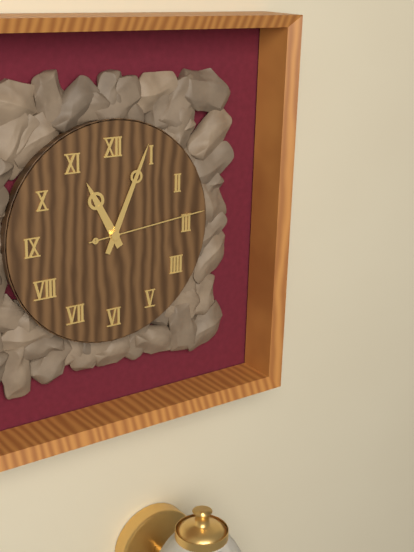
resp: 11,04,14
